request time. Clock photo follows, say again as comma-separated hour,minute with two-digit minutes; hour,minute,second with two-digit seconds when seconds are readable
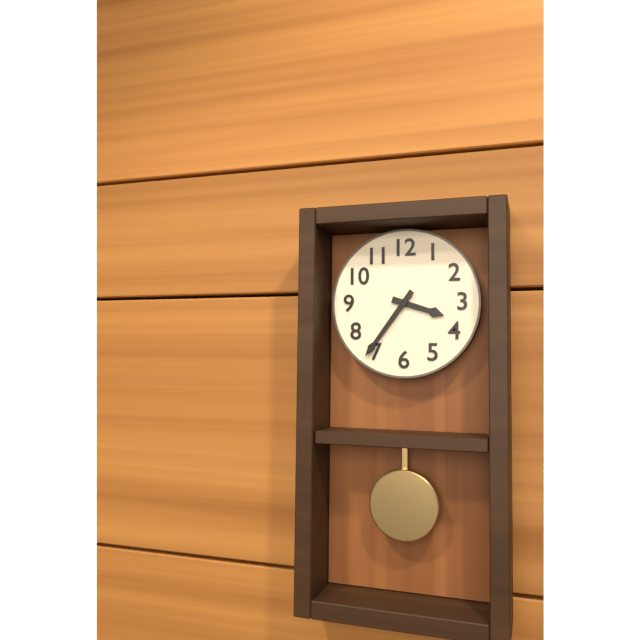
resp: 3,36
